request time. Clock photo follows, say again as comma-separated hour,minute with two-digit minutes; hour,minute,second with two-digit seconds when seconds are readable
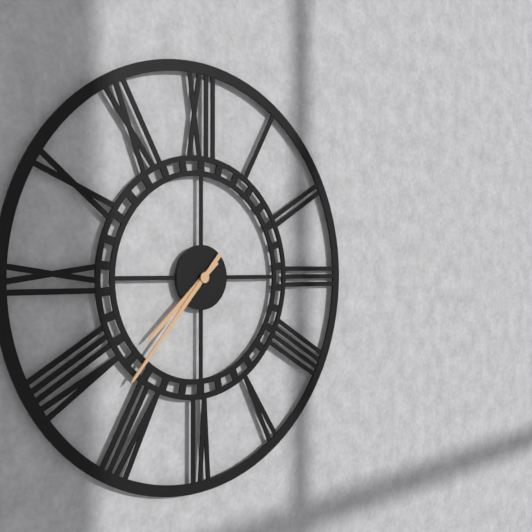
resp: 7,37
